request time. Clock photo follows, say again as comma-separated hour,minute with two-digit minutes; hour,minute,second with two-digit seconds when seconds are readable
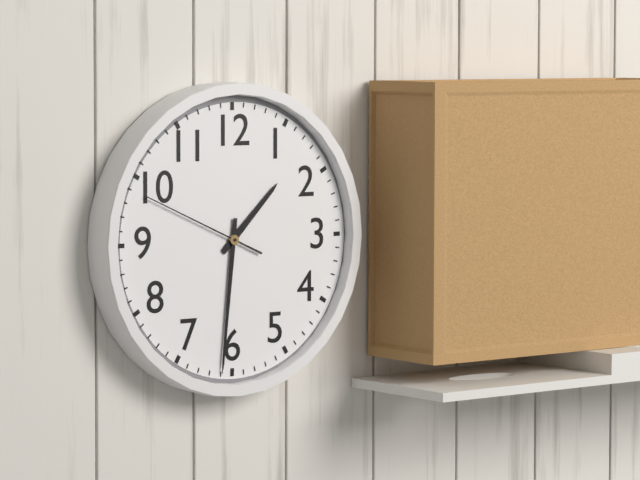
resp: 1,31,49
